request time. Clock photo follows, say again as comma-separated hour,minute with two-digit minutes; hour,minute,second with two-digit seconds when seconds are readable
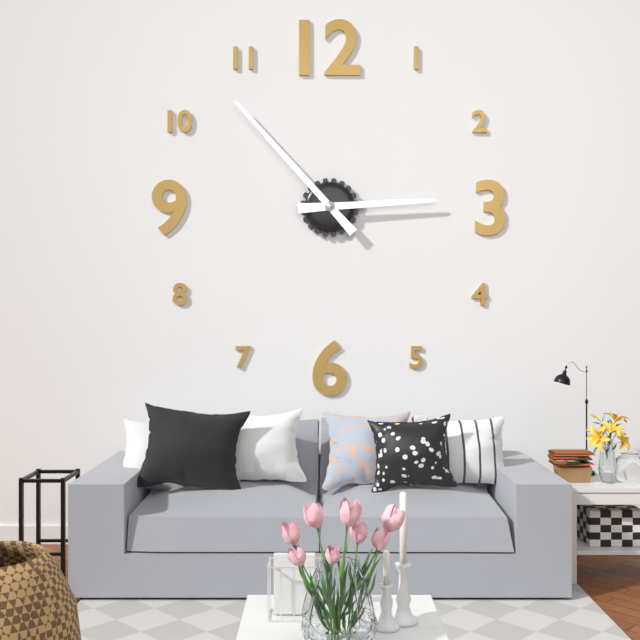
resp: 2,53
